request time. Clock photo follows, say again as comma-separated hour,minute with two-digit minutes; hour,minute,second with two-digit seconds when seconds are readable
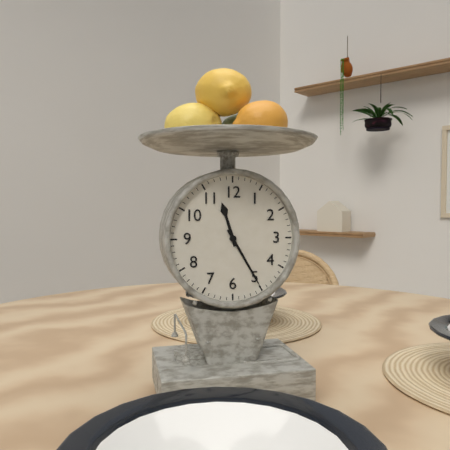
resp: 11,25
